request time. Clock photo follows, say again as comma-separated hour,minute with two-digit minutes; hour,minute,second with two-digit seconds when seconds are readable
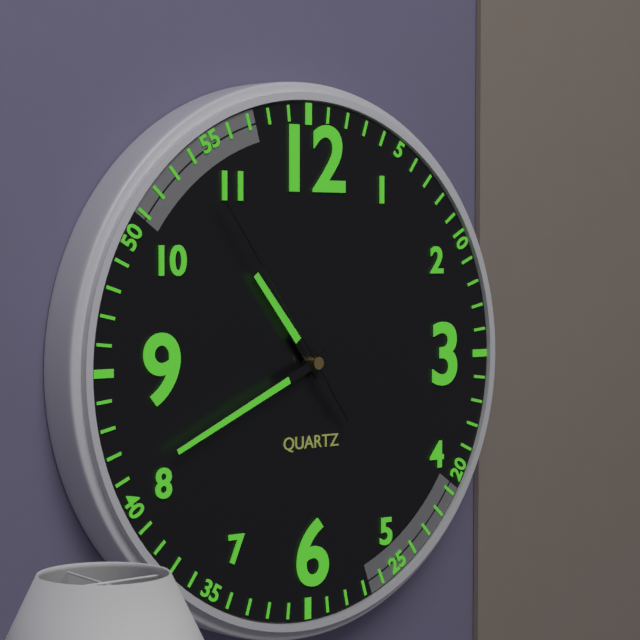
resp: 10,41,54
